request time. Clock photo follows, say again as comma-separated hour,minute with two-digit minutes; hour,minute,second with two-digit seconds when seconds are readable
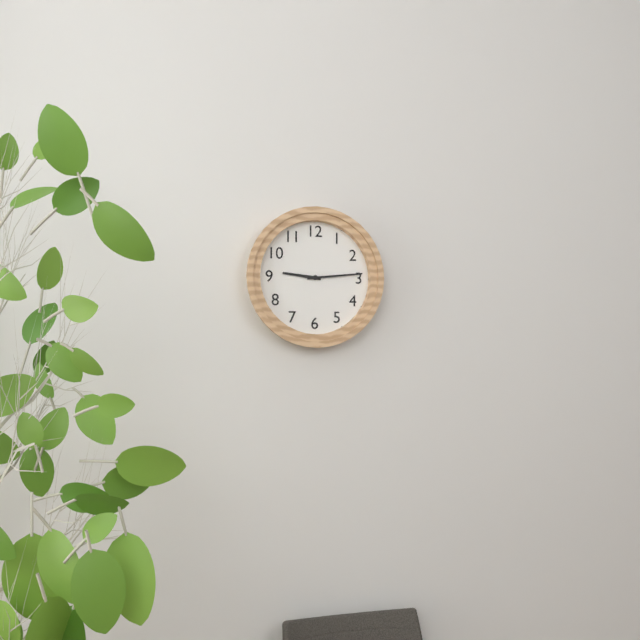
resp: 9,14
